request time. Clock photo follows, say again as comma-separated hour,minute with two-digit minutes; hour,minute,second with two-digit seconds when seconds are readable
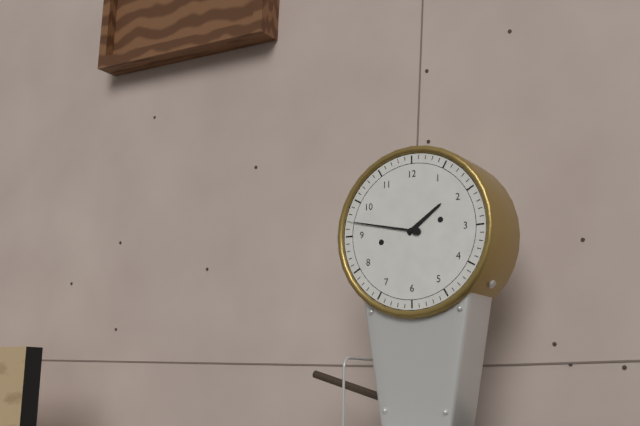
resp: 1,47
